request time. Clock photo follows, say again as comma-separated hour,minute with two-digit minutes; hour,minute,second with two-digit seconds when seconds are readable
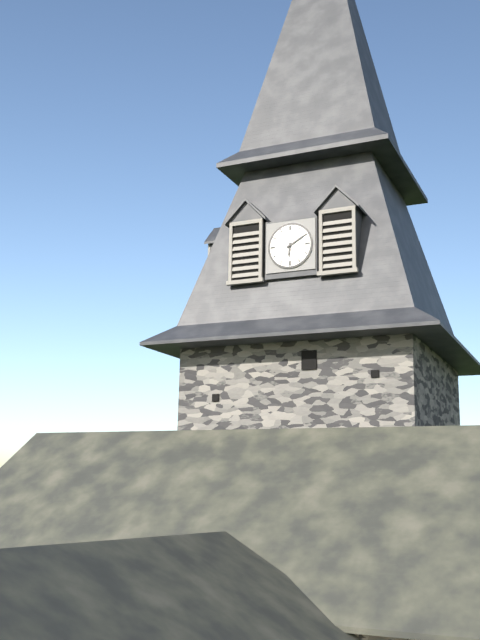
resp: 6,10
